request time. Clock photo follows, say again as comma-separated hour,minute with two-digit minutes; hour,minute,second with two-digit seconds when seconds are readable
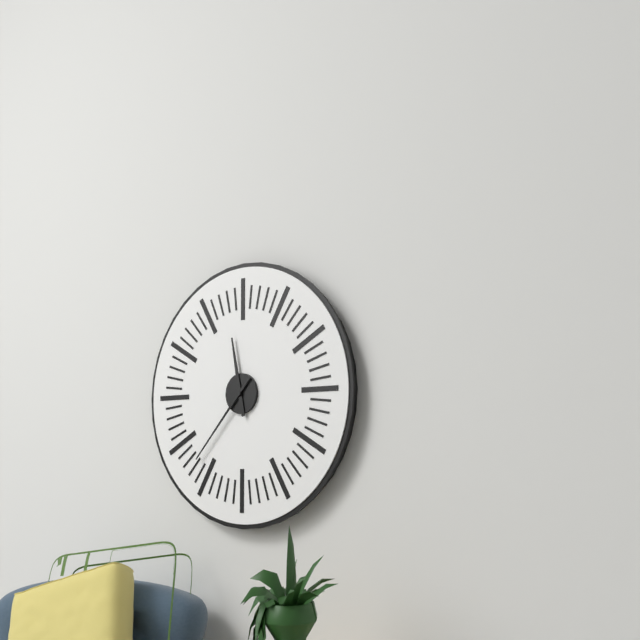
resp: 11,37
